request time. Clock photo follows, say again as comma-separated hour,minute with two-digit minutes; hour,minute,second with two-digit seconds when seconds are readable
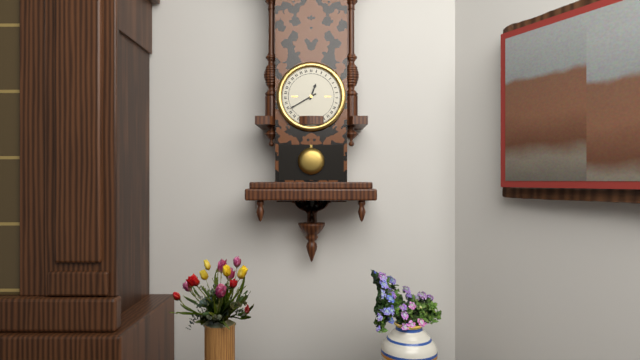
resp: 12,40
